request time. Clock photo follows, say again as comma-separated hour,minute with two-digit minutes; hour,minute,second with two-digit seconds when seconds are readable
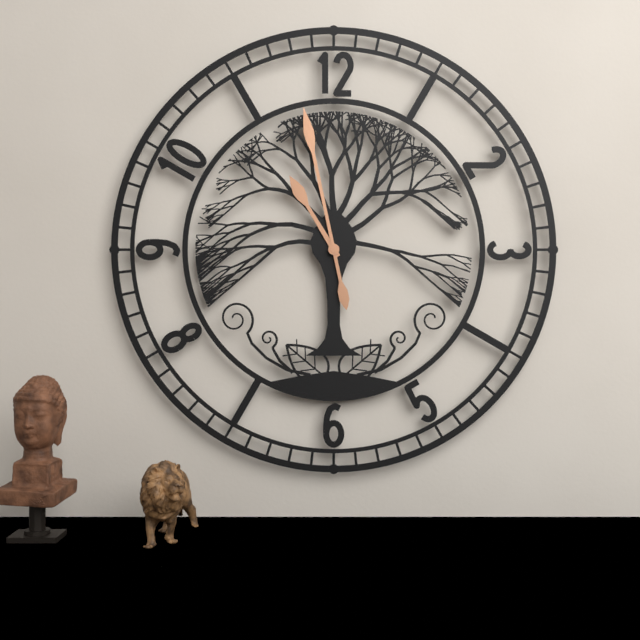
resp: 10,58
